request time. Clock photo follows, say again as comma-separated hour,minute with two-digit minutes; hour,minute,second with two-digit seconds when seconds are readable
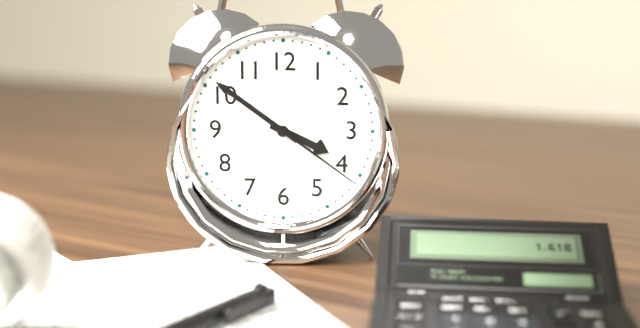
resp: 3,51,21
